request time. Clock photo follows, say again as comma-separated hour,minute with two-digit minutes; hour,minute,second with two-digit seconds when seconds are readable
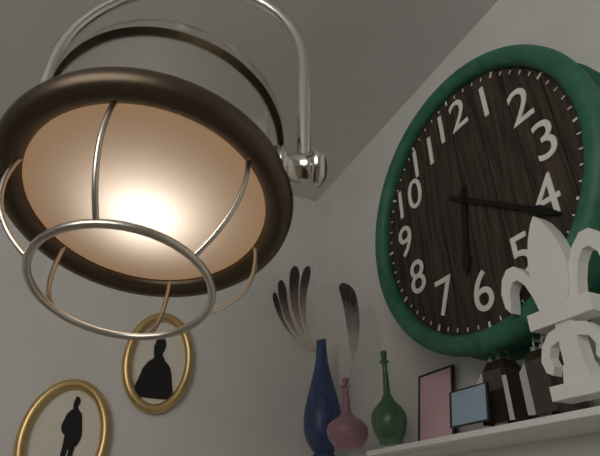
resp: 6,21
